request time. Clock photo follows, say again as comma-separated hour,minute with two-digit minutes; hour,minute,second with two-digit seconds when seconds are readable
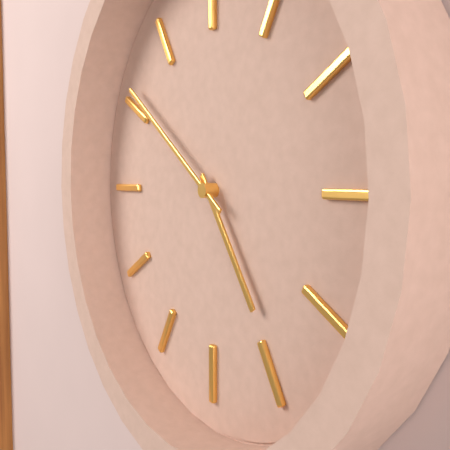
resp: 4,51
